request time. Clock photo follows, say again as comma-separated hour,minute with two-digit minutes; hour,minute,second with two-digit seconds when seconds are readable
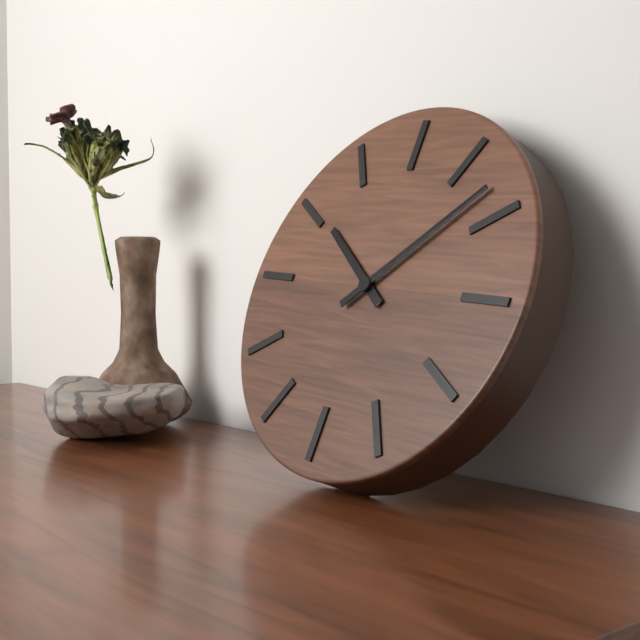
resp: 10,08
